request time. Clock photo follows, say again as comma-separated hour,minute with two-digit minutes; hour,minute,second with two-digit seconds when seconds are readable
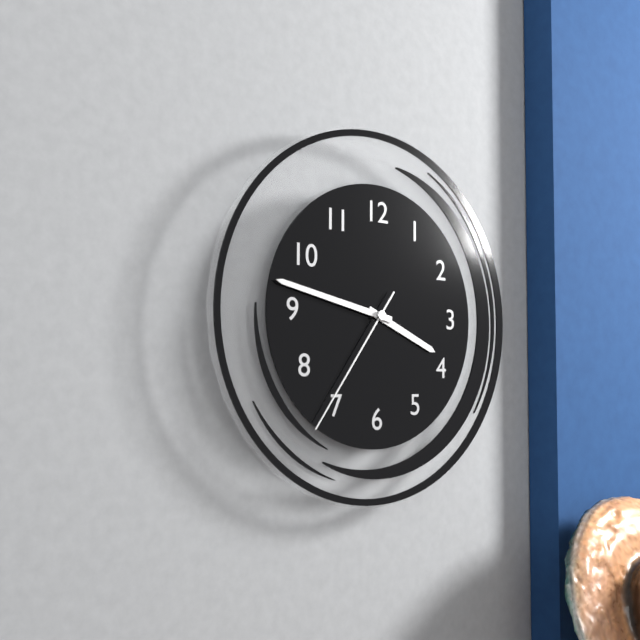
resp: 3,47,36
